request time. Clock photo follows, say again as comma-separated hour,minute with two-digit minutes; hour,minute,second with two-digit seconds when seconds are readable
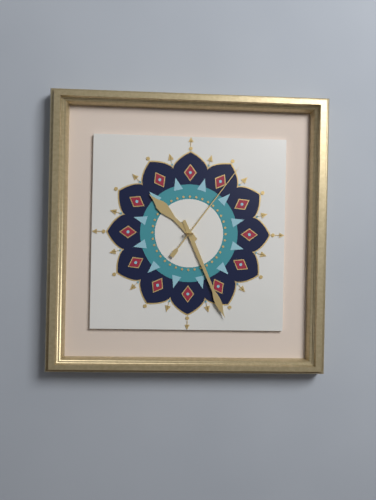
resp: 10,26,06
